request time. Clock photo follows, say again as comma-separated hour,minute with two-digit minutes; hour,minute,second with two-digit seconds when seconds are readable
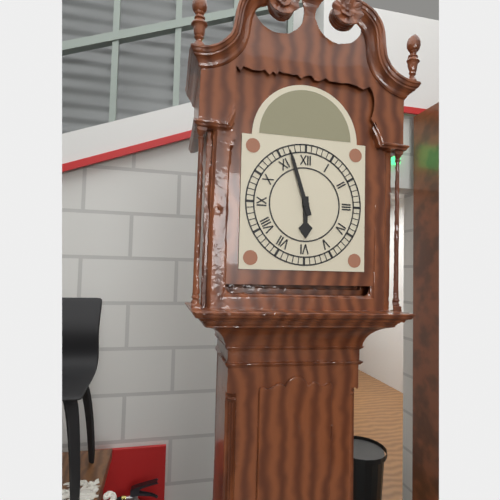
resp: 5,57
